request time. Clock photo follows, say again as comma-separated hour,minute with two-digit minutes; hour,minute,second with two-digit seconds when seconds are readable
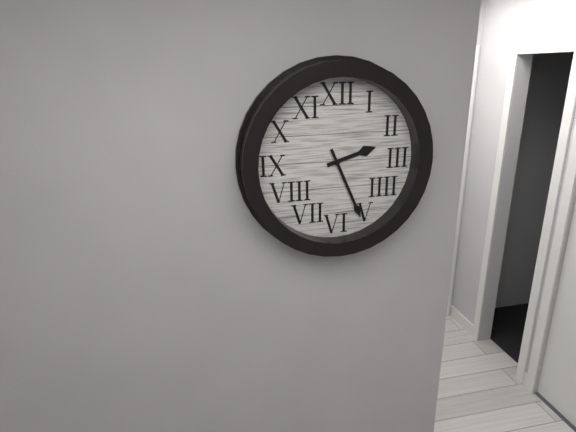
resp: 2,26
